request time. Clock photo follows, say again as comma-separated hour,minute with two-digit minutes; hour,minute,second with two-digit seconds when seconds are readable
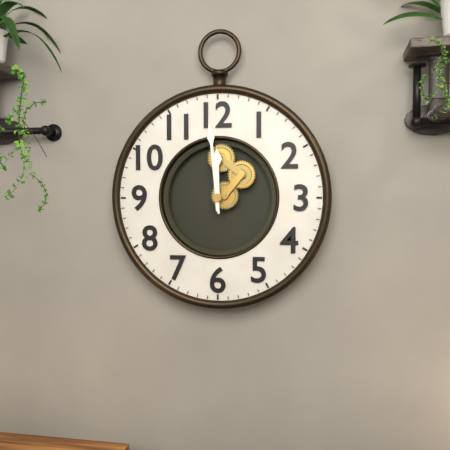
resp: 11,59
